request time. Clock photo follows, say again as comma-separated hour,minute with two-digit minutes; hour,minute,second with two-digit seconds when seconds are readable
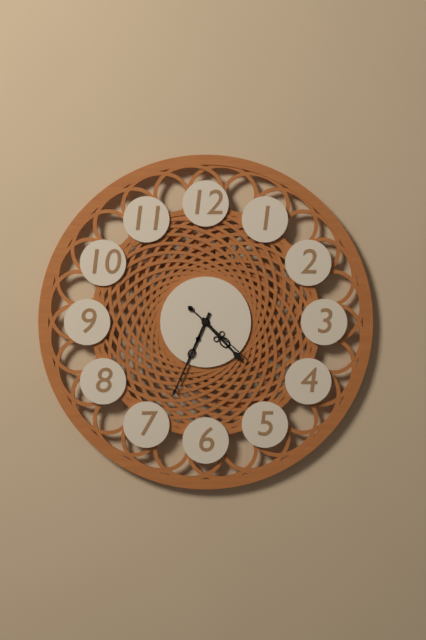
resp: 4,34,22
